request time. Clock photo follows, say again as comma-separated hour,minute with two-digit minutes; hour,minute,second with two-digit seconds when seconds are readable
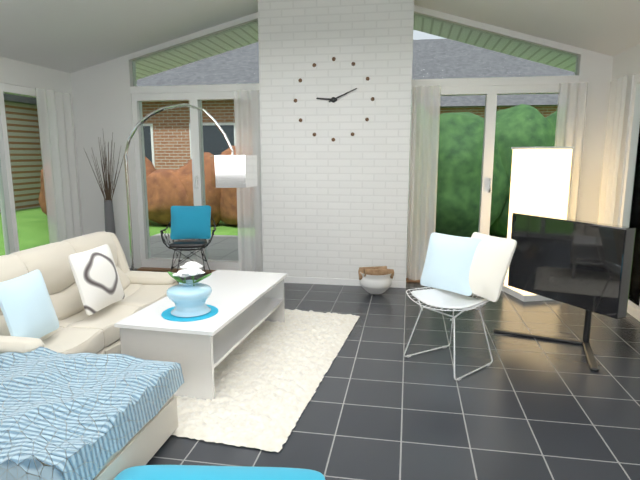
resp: 9,11
